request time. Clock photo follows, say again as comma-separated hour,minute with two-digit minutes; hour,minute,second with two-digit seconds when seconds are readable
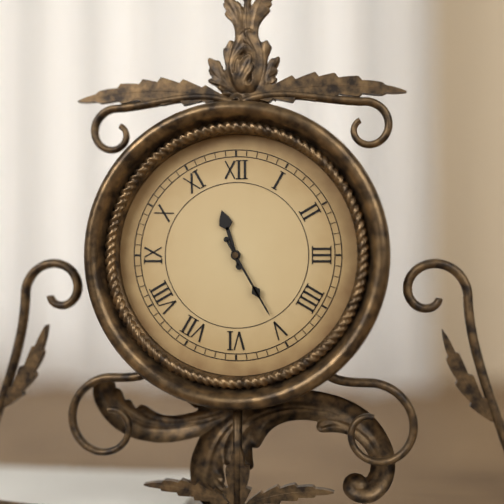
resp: 11,25
